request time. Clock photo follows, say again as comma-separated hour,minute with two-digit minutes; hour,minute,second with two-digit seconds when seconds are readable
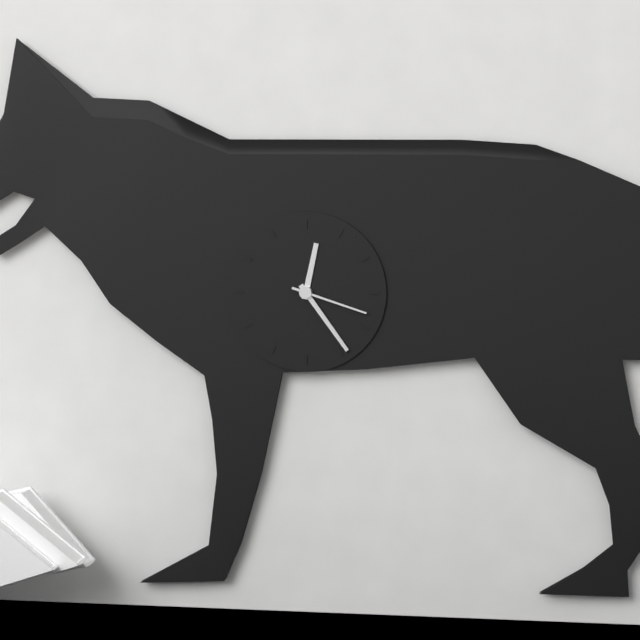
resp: 12,24,18
